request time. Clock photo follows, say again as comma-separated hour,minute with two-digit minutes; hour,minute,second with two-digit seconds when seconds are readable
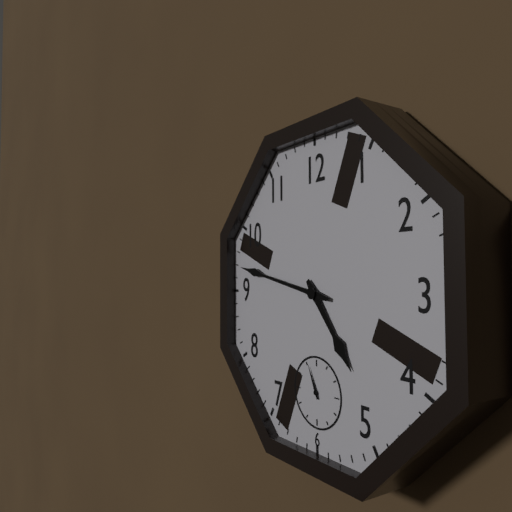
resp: 4,47
